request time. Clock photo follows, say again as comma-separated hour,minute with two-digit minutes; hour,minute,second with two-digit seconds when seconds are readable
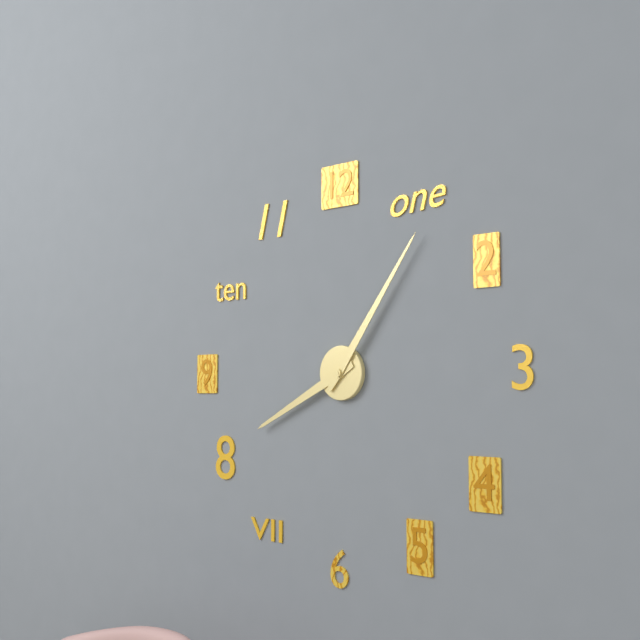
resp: 8,06
